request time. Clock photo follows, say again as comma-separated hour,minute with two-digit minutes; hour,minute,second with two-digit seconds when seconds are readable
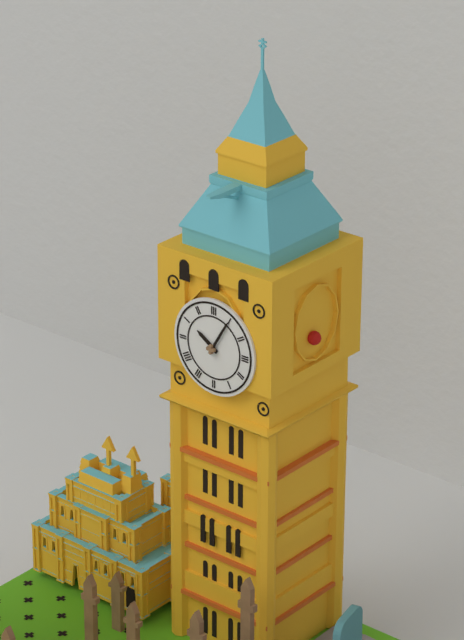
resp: 10,05
